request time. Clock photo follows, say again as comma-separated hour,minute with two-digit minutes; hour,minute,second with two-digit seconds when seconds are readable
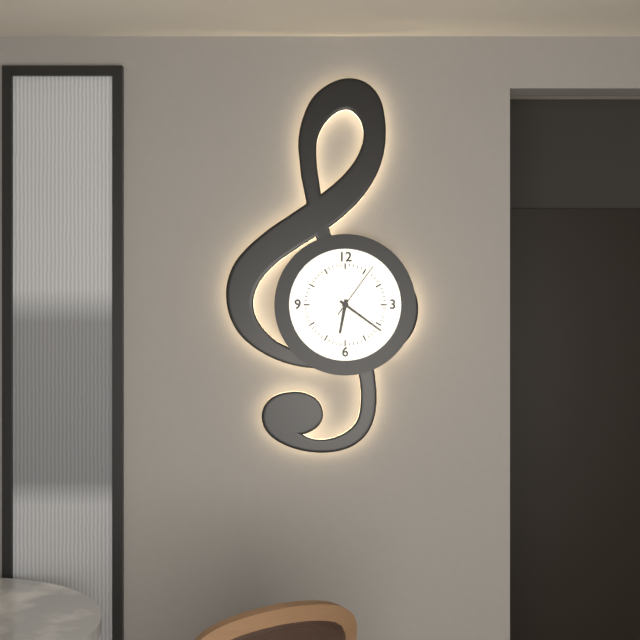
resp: 6,21,06
